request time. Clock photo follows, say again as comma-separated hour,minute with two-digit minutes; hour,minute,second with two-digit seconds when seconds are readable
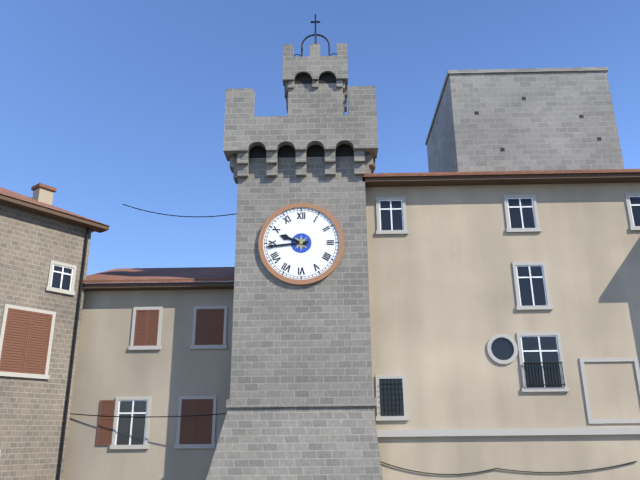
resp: 9,44
